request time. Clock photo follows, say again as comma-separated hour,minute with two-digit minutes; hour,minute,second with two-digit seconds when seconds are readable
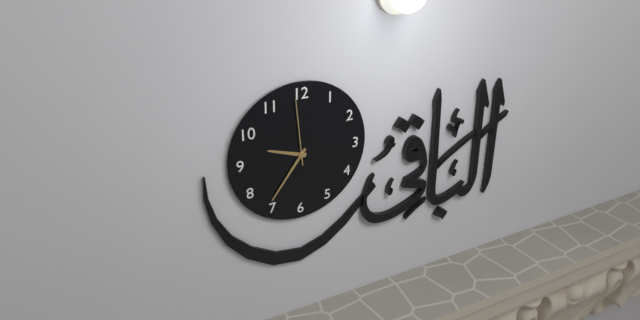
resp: 9,36,59
